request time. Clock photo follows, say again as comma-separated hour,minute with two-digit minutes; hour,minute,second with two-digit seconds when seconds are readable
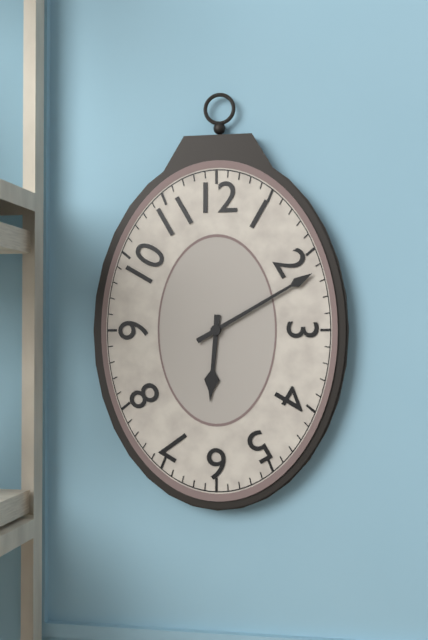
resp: 6,10
